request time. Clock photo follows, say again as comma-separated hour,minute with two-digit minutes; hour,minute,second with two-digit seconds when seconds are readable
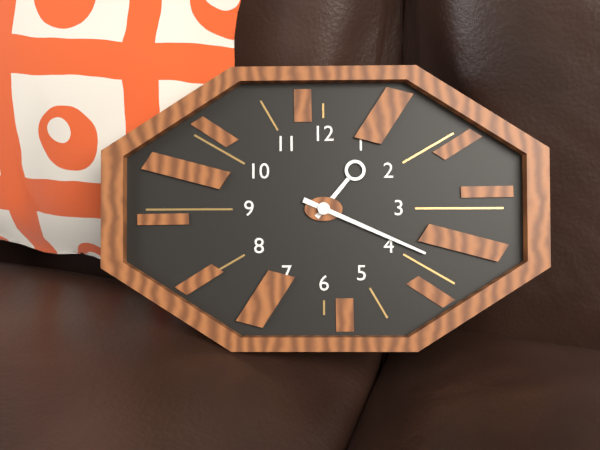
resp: 1,19
